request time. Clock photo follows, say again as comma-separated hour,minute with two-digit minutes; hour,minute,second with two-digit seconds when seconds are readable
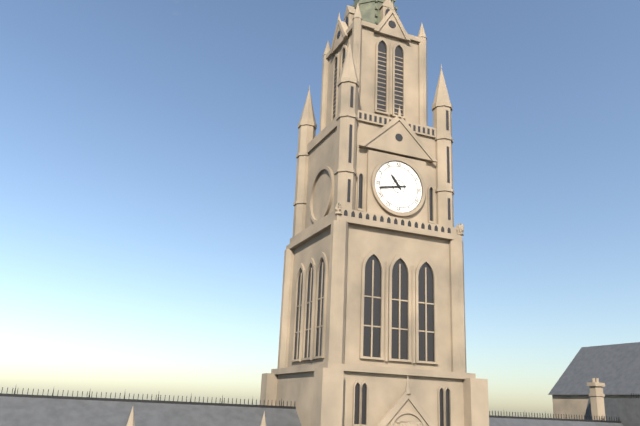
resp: 10,43
